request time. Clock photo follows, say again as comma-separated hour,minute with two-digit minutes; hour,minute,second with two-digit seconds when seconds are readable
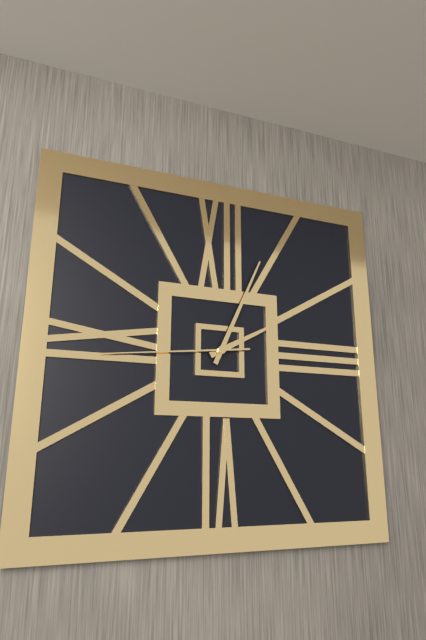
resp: 2,04,44
